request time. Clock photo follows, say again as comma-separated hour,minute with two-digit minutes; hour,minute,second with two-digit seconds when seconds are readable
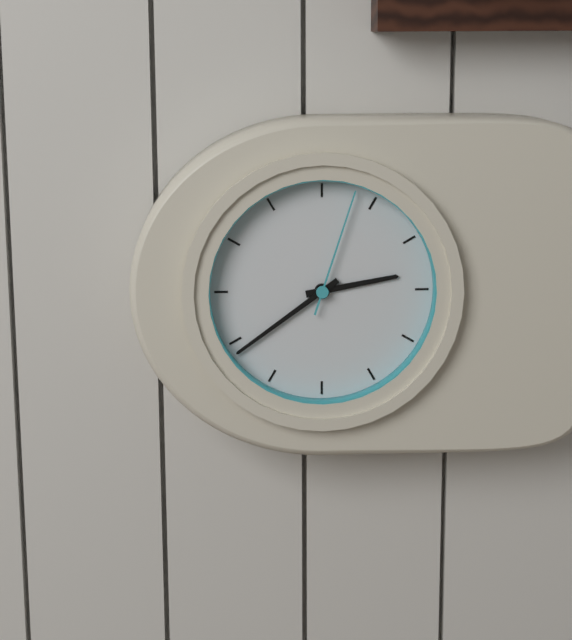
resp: 2,39,03
